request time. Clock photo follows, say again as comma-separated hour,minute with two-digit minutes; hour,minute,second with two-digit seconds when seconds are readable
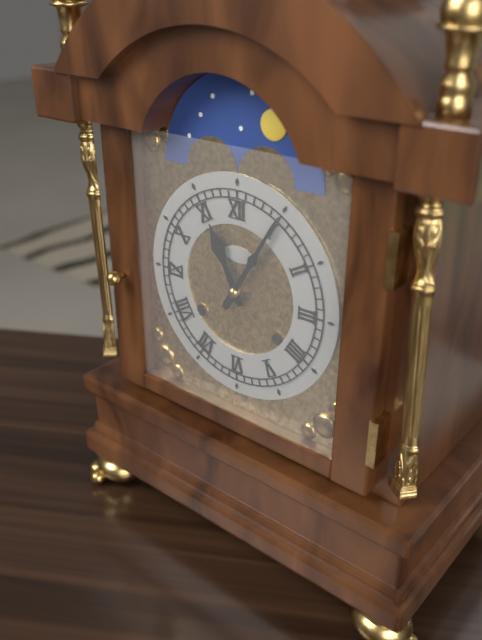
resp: 11,05
